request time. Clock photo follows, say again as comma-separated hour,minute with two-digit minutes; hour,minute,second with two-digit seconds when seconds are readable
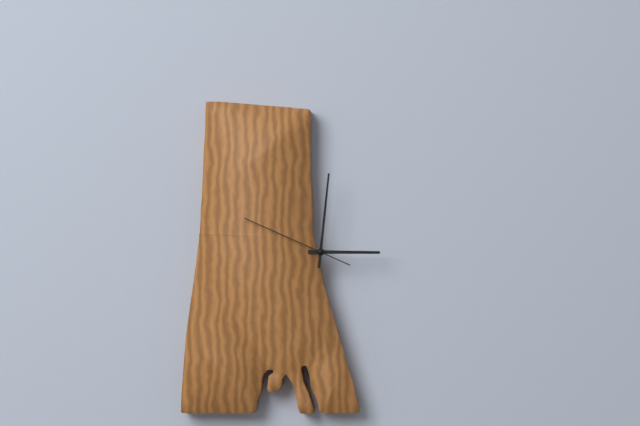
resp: 3,01,49
